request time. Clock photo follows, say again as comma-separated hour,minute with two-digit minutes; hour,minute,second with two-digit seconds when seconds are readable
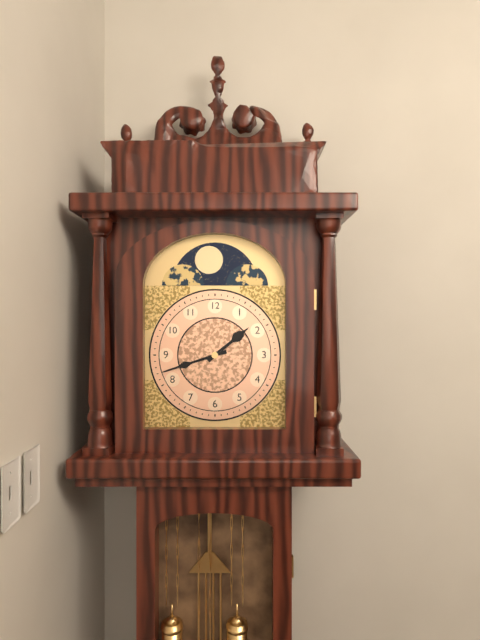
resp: 1,42
